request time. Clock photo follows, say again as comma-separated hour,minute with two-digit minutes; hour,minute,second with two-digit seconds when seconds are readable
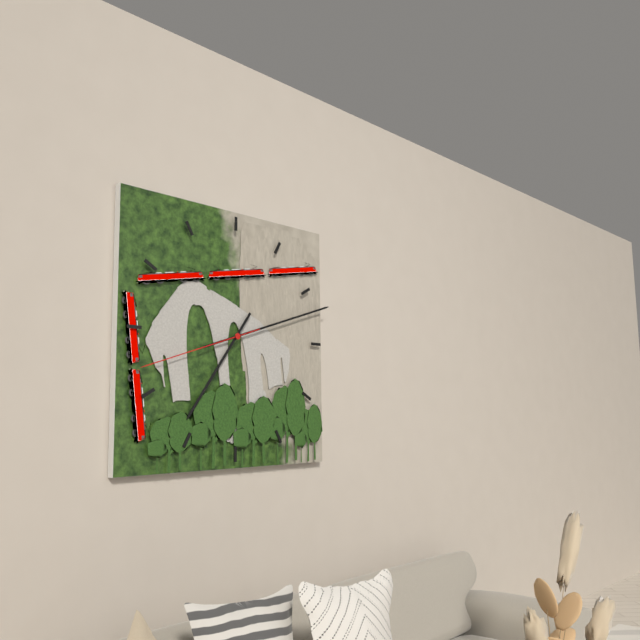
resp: 7,12,42
